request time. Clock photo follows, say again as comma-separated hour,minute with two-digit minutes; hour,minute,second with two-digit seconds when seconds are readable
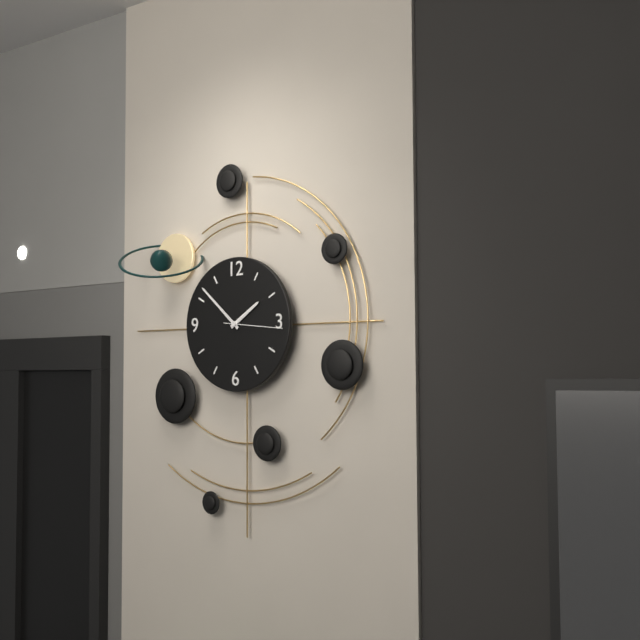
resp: 1,52,16
